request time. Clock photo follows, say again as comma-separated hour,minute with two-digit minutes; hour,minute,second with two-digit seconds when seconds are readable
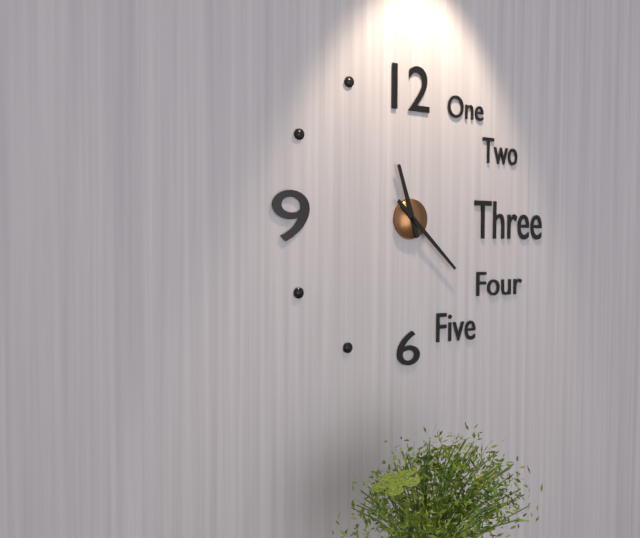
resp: 11,22
